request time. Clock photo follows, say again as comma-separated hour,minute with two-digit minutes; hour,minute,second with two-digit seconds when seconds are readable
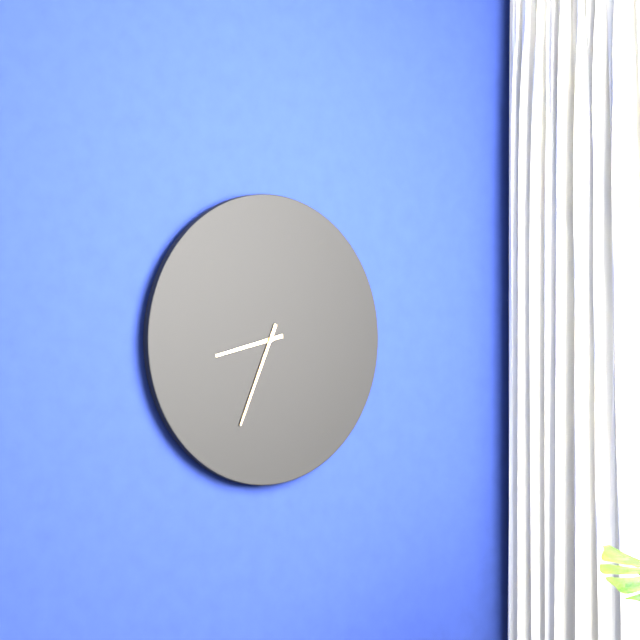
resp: 8,34
